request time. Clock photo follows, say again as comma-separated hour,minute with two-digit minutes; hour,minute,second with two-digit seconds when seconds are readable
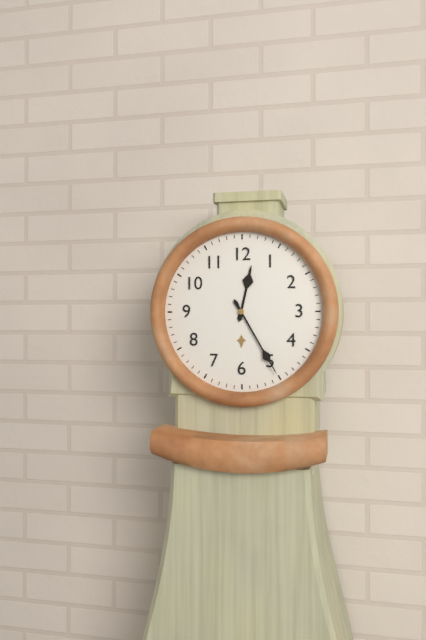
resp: 12,25
